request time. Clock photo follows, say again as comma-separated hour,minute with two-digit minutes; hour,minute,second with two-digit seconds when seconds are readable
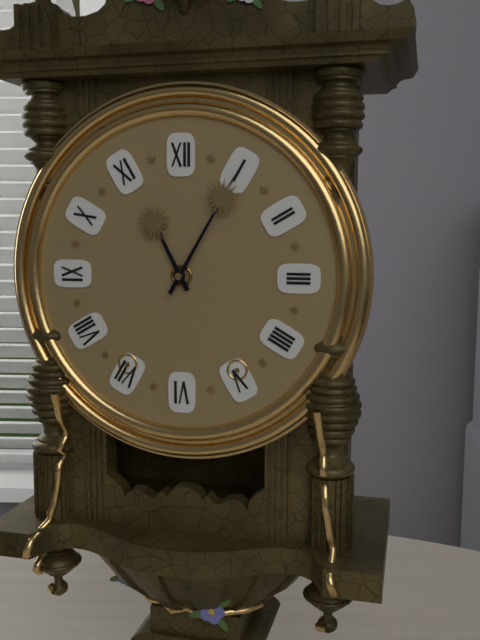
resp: 11,05
